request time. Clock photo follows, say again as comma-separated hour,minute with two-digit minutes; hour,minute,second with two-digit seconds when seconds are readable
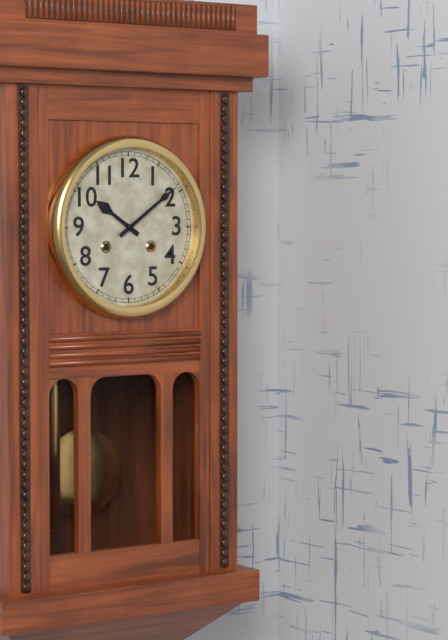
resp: 10,09
